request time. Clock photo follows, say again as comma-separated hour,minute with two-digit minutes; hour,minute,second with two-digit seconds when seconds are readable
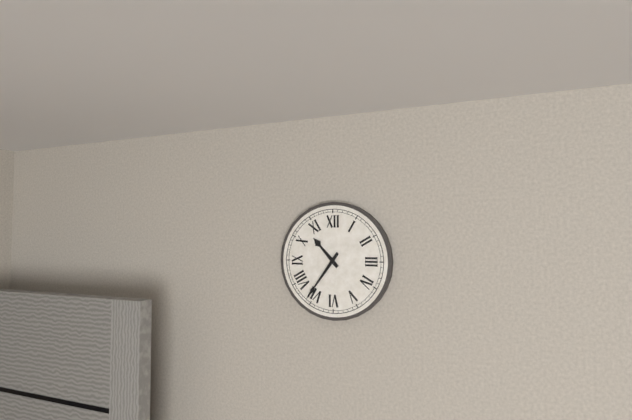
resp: 10,36
